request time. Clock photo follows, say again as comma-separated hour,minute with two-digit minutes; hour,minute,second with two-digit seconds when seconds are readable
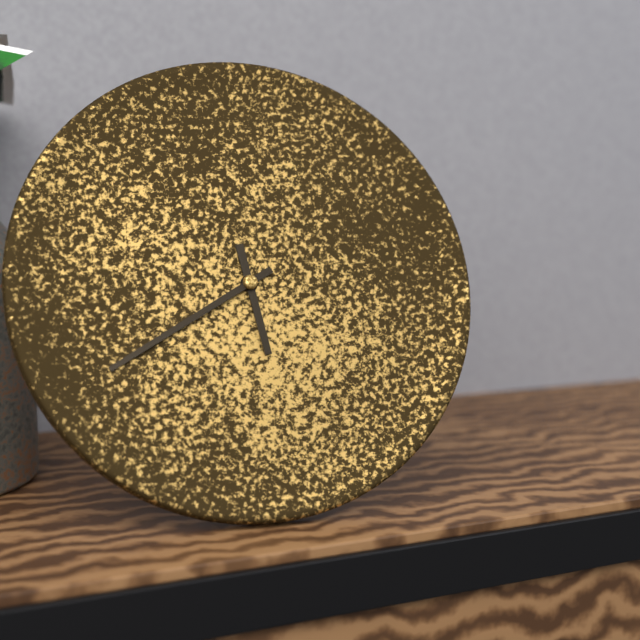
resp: 5,40
